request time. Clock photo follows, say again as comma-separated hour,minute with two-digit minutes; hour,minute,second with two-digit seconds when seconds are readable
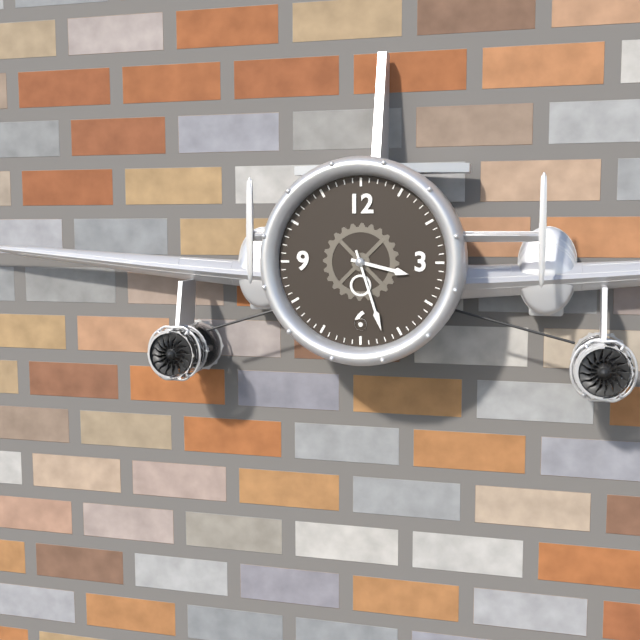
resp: 3,27
